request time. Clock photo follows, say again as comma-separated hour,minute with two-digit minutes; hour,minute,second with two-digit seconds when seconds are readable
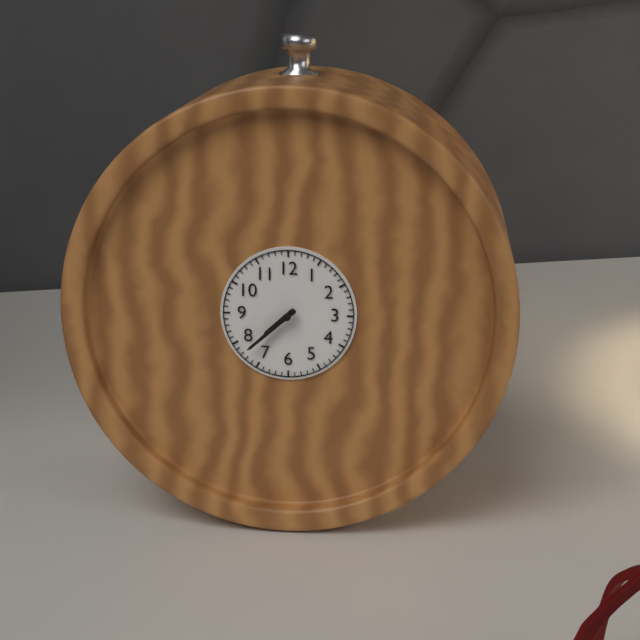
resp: 7,38
